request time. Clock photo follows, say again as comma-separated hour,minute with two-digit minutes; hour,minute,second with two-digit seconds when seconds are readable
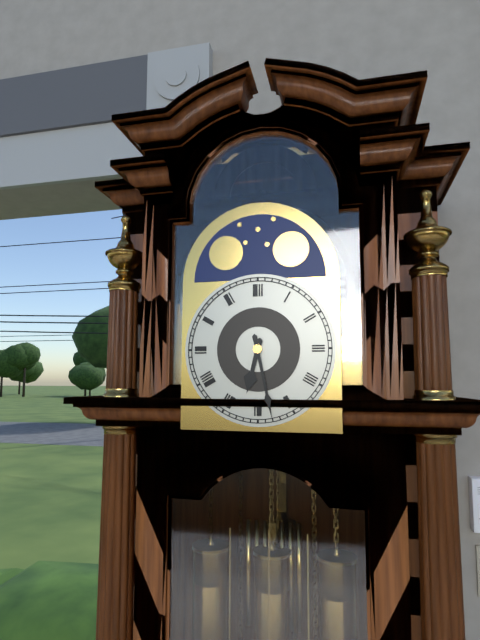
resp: 6,28
